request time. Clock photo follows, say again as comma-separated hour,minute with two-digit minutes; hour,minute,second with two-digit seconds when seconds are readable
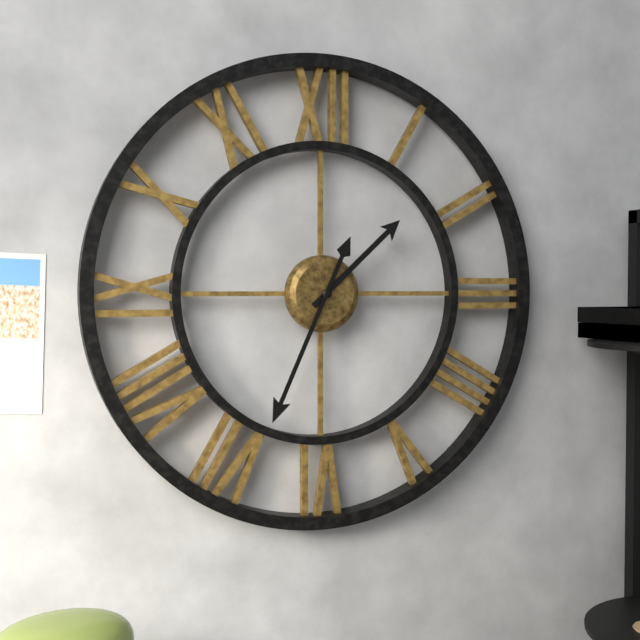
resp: 1,34
